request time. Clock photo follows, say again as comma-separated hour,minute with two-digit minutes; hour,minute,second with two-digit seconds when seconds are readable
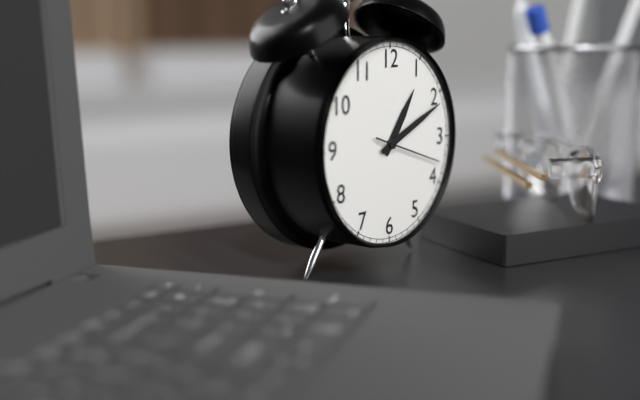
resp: 1,11,18
